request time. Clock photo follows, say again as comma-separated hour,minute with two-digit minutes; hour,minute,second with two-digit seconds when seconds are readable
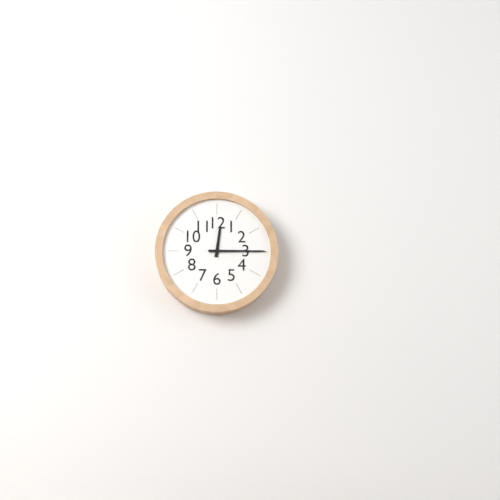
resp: 12,15
